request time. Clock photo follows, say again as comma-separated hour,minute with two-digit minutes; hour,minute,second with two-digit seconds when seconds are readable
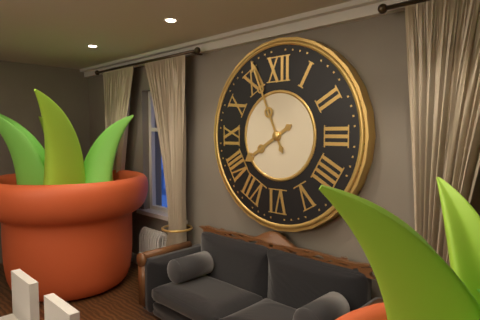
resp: 7,56
